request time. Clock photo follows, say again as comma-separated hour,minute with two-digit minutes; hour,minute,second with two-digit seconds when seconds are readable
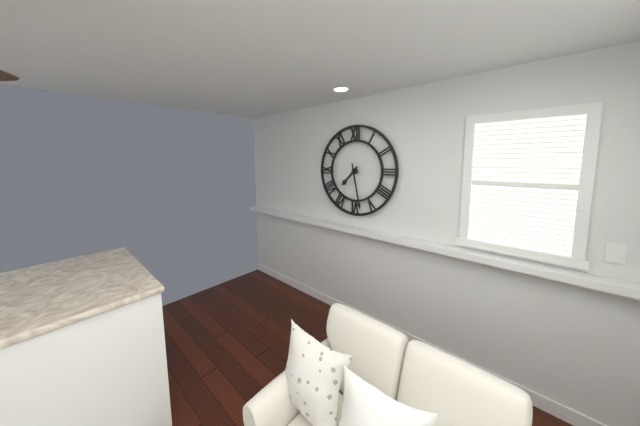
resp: 7,28
